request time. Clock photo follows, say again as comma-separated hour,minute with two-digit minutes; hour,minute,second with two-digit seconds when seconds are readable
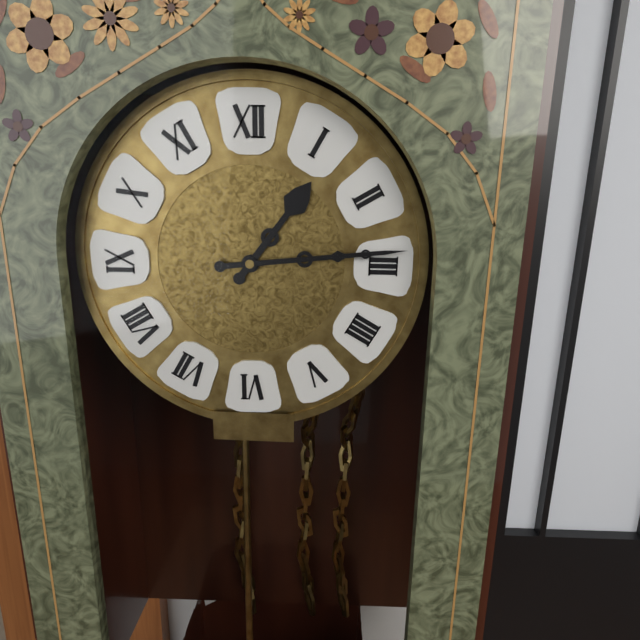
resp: 1,14
